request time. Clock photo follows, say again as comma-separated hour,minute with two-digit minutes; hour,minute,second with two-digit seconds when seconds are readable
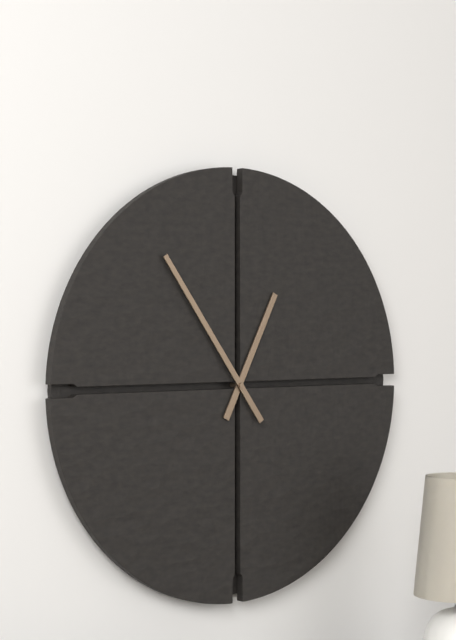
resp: 12,54
